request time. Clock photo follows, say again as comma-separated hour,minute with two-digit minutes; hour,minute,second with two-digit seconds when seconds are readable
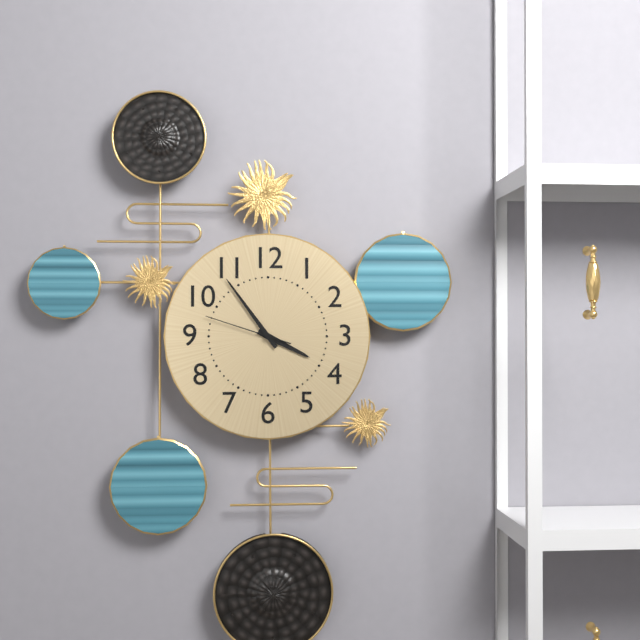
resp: 3,54,48
